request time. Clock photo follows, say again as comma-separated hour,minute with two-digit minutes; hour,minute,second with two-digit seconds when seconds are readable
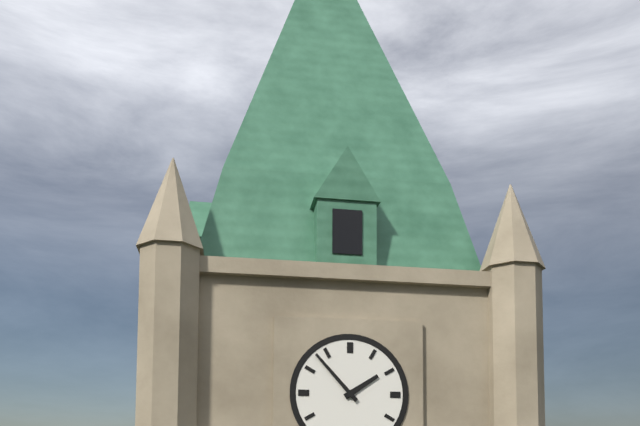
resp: 1,53
